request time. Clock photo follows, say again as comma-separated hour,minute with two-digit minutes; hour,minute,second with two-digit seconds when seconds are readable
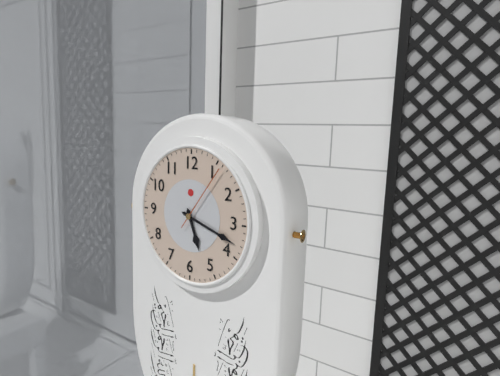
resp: 5,18,06
